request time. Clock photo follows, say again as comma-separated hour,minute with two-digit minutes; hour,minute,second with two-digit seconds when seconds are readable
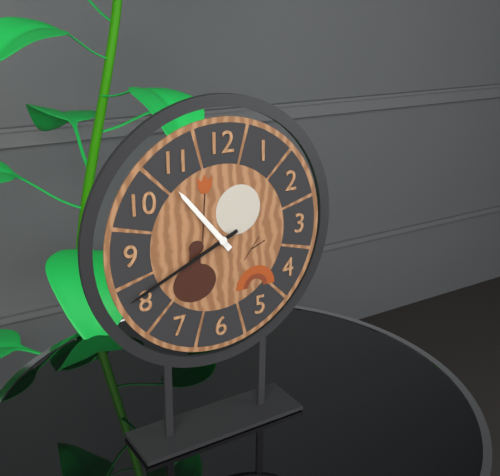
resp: 10,41
